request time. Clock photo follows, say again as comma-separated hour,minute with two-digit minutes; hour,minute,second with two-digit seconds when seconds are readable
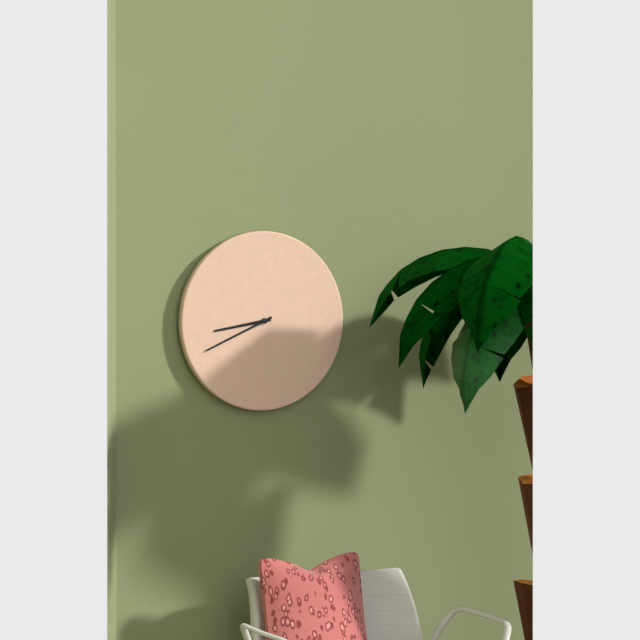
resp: 8,41
